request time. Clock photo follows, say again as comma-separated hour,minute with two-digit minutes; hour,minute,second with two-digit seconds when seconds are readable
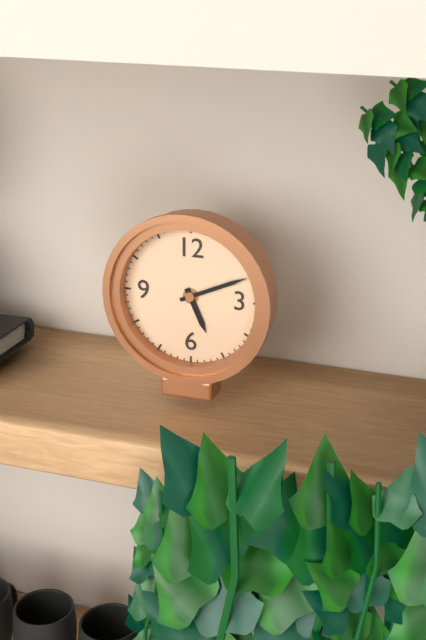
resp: 5,11
